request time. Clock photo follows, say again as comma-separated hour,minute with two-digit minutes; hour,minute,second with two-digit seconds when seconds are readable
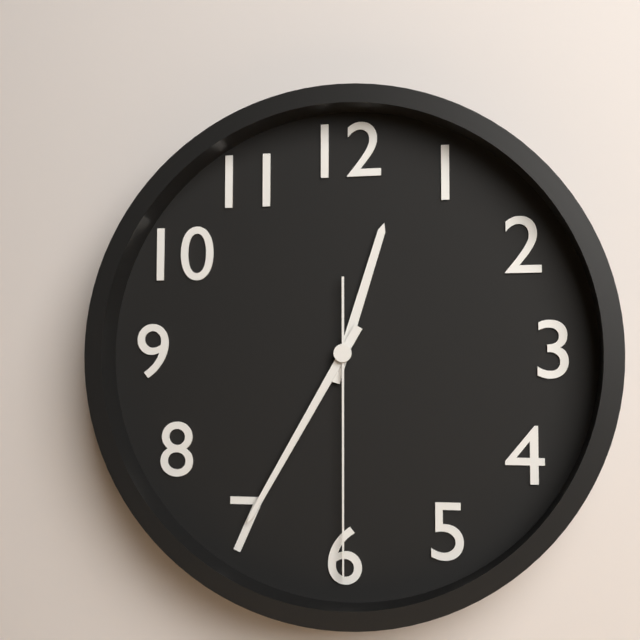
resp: 12,35,30
